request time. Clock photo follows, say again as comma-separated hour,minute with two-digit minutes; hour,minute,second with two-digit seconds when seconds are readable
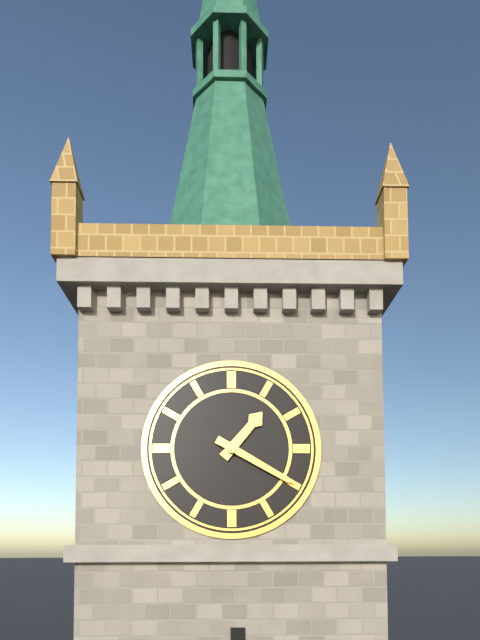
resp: 1,20
